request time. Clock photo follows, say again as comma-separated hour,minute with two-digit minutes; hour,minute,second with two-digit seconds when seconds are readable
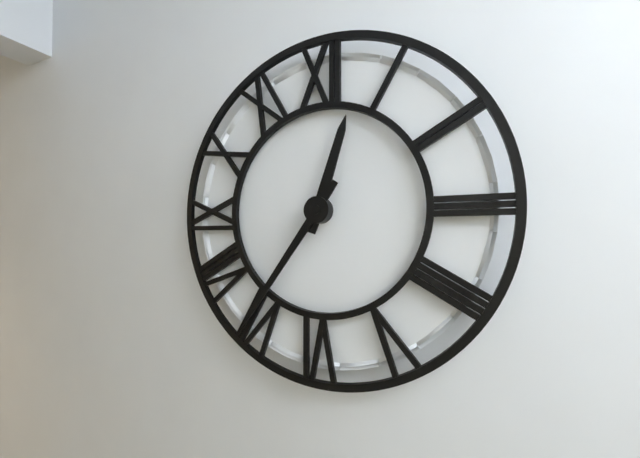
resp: 12,36
